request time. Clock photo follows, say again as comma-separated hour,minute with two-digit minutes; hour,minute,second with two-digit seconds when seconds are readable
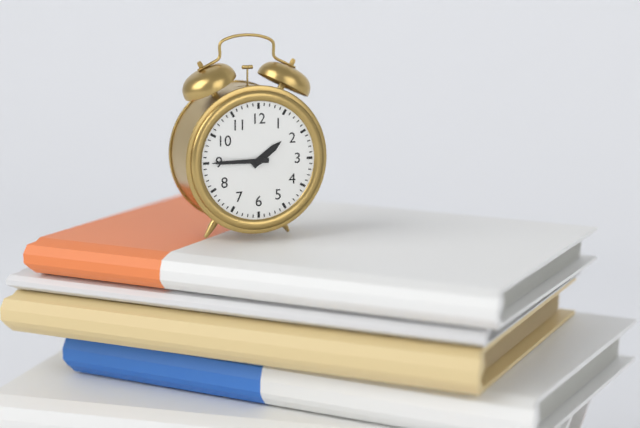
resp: 1,45
